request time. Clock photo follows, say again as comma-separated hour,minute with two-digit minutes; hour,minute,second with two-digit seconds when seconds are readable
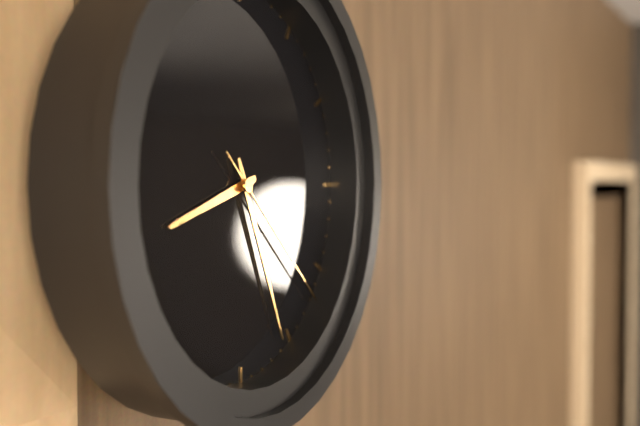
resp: 8,26,22
